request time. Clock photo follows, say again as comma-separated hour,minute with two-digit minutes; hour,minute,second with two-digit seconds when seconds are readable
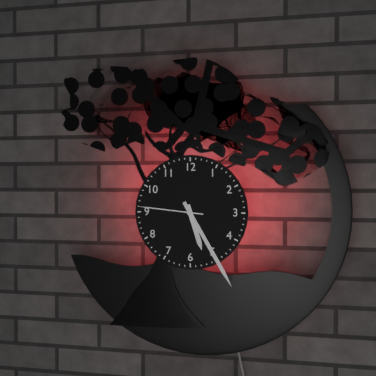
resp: 5,25,46
